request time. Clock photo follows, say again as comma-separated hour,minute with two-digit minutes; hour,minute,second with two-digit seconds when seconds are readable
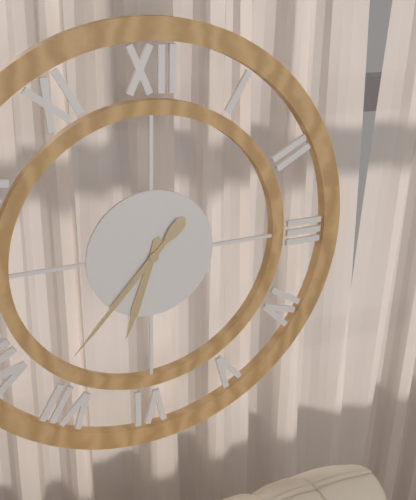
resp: 6,37
